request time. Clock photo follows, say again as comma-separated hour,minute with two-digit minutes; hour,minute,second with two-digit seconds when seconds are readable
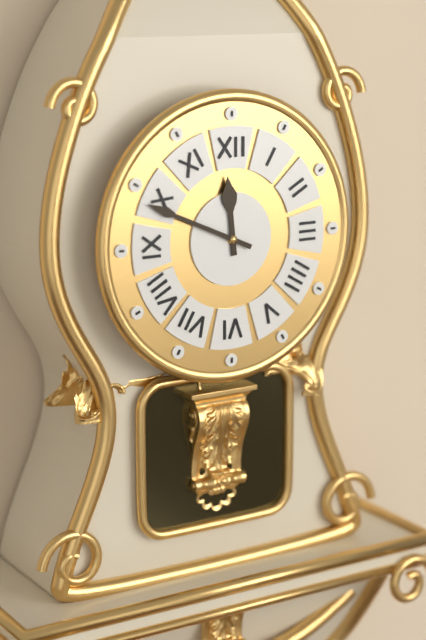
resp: 11,49
